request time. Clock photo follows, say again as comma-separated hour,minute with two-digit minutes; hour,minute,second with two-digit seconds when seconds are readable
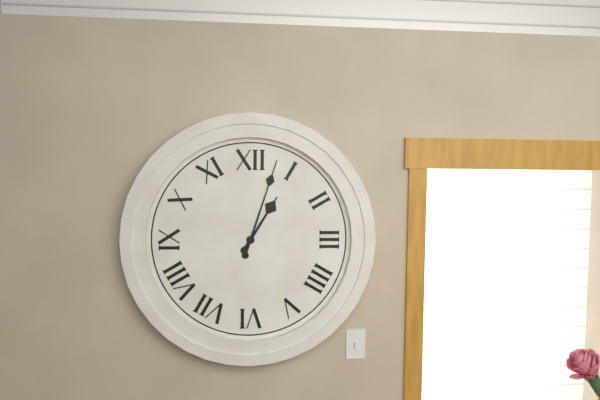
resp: 1,03
